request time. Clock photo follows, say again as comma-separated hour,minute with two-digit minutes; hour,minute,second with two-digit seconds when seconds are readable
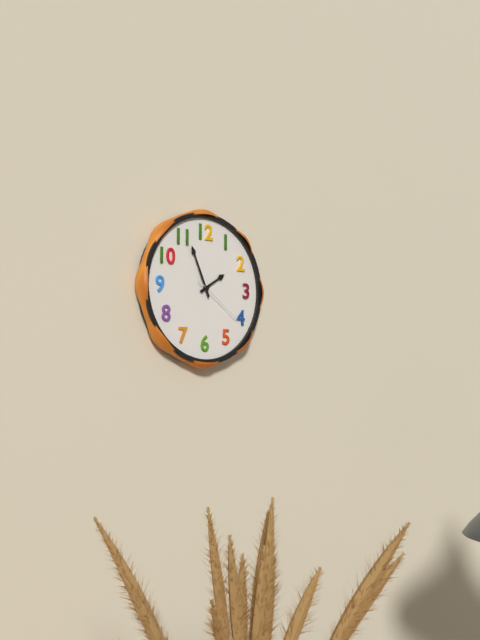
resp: 1,56,21
